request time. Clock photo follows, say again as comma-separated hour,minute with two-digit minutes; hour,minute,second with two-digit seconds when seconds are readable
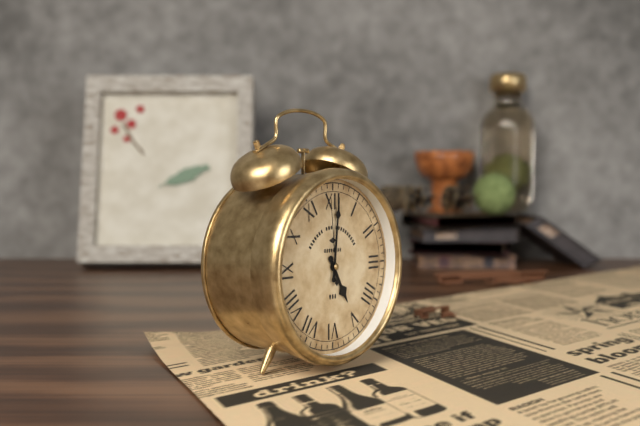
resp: 5,01,59
